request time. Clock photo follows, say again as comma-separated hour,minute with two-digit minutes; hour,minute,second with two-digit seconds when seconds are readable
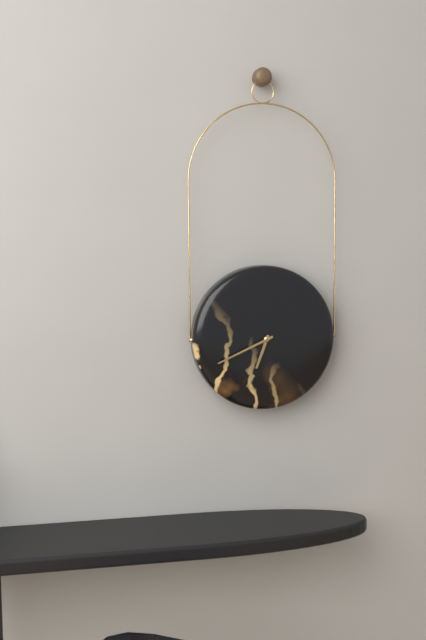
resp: 6,41
